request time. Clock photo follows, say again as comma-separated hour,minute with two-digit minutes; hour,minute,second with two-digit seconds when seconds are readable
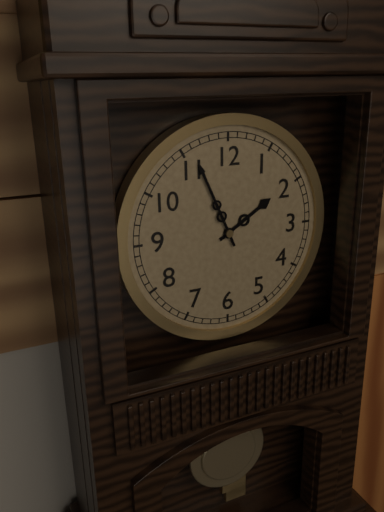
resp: 1,56
